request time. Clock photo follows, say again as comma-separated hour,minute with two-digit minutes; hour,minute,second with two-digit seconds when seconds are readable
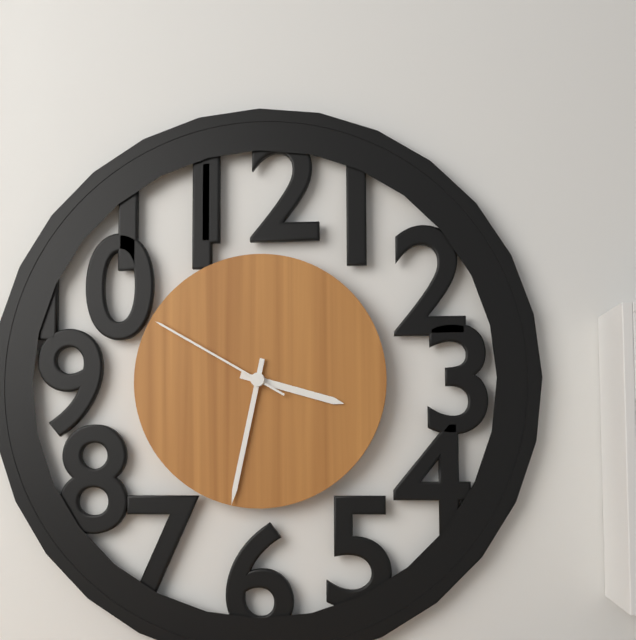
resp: 3,32,50
